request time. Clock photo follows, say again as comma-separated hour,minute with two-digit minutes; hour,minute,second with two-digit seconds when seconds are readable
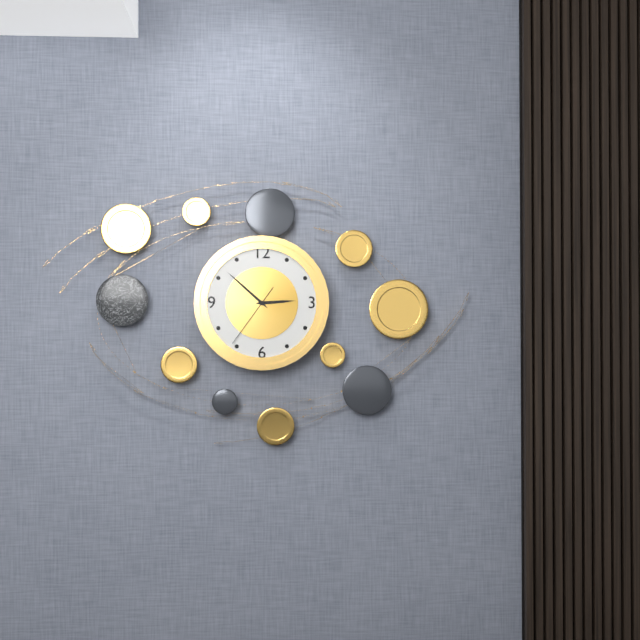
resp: 2,52,36
